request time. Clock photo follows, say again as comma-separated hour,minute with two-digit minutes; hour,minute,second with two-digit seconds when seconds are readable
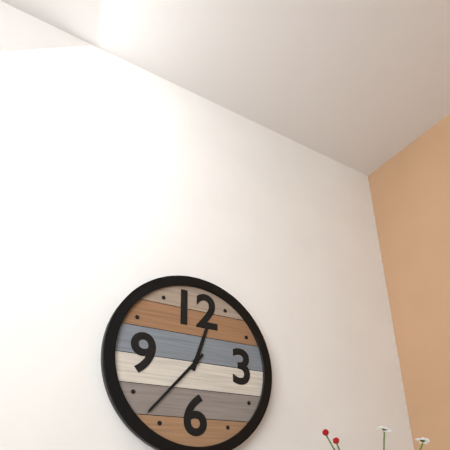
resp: 12,37
